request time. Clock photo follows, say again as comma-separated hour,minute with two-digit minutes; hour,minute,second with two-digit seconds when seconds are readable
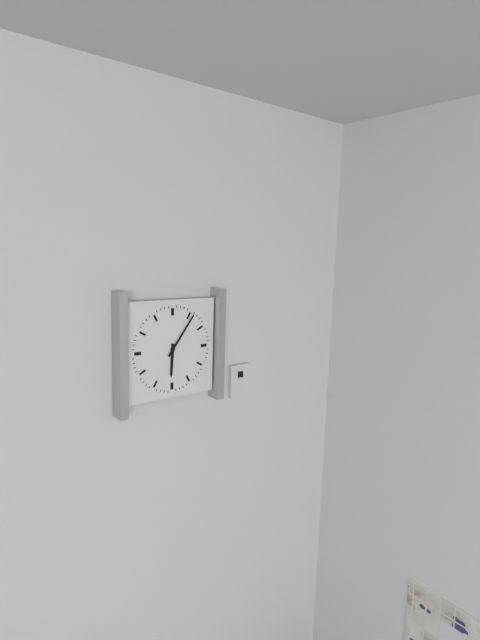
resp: 6,06
